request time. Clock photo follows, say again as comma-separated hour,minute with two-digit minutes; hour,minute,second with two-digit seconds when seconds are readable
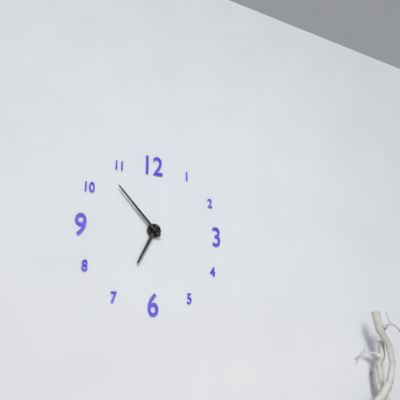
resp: 6,53
